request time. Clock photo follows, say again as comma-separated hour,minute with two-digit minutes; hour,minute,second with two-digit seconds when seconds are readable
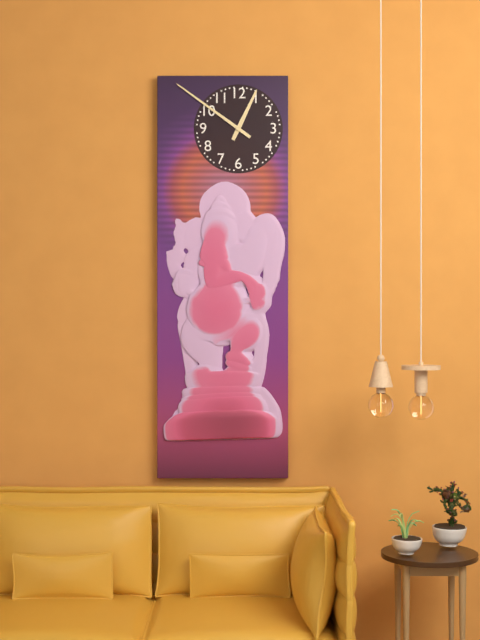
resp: 12,51
